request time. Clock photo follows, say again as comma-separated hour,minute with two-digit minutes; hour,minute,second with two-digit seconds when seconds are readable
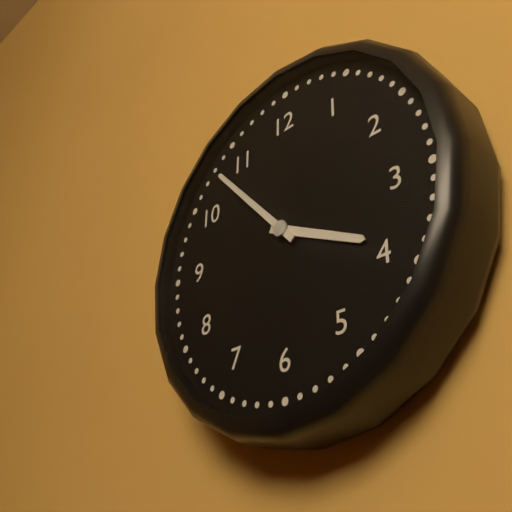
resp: 3,53
